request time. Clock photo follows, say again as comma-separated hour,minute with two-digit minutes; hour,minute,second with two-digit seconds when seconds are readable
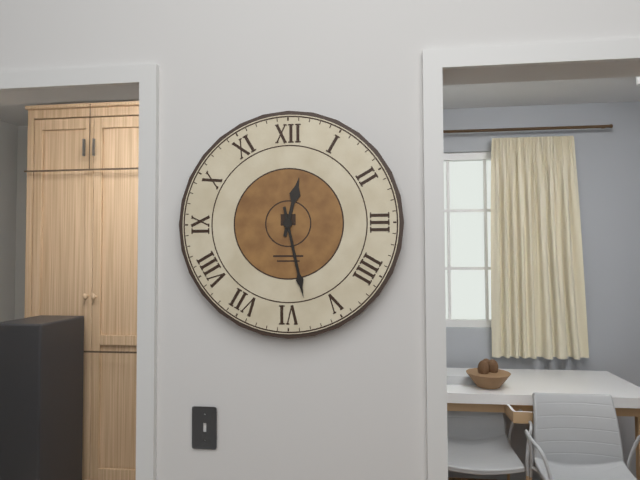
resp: 12,28
